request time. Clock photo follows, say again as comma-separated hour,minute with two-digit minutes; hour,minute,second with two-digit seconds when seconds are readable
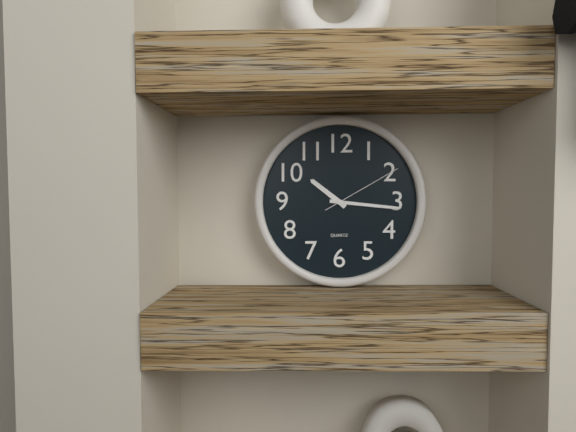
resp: 10,16,10
